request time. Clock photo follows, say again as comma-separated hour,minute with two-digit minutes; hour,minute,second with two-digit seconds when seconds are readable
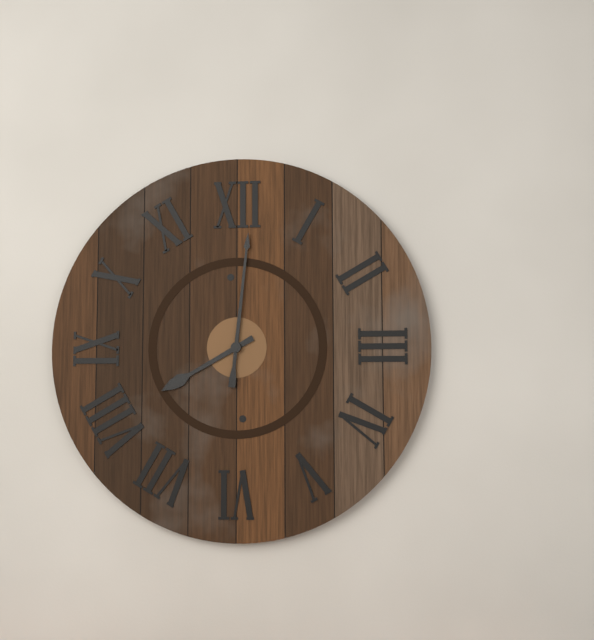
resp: 8,01
